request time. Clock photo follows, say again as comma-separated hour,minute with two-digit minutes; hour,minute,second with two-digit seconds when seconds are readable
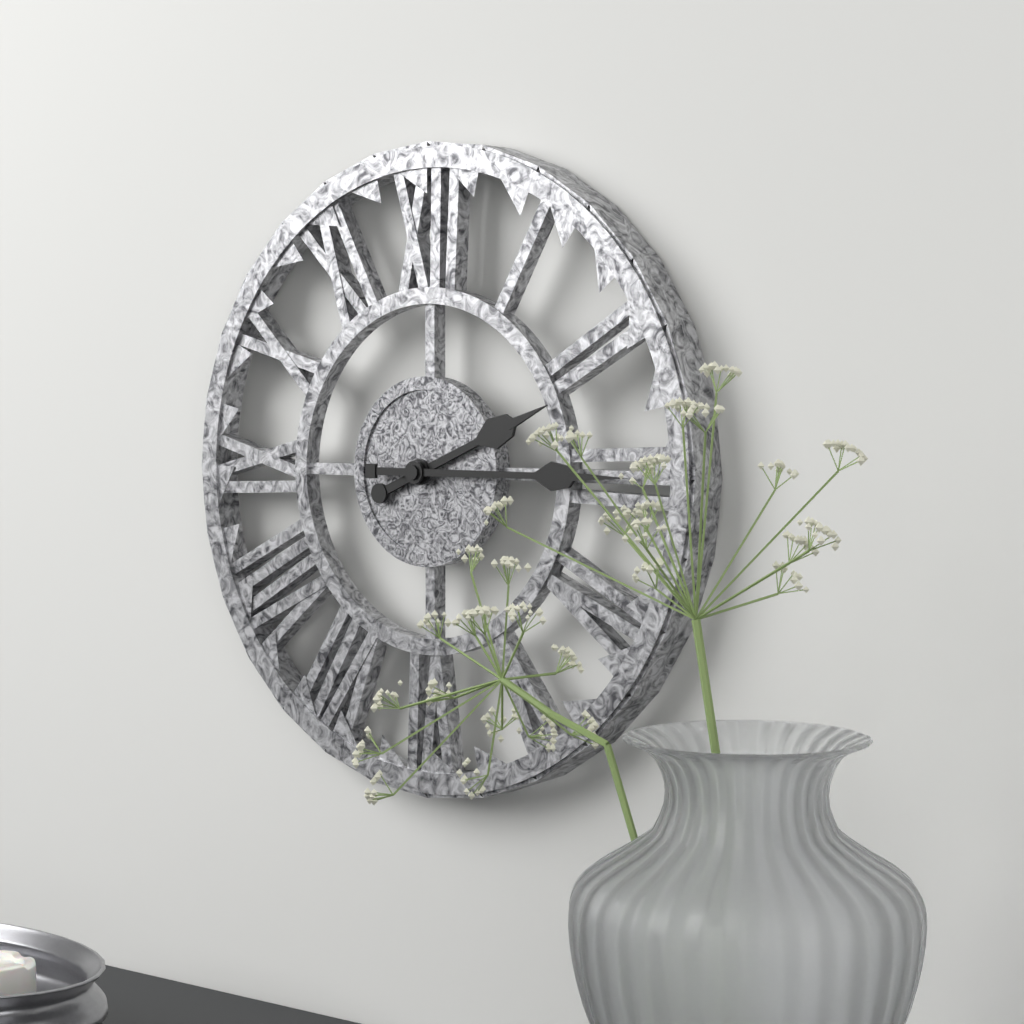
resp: 2,15
